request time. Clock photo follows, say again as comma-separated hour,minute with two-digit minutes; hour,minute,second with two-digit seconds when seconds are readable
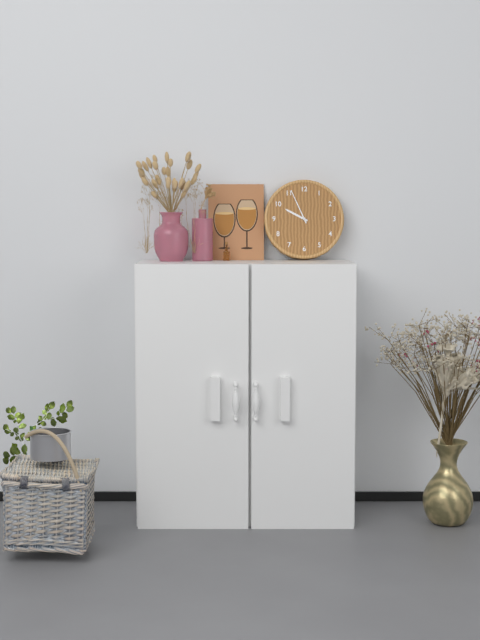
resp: 9,56
